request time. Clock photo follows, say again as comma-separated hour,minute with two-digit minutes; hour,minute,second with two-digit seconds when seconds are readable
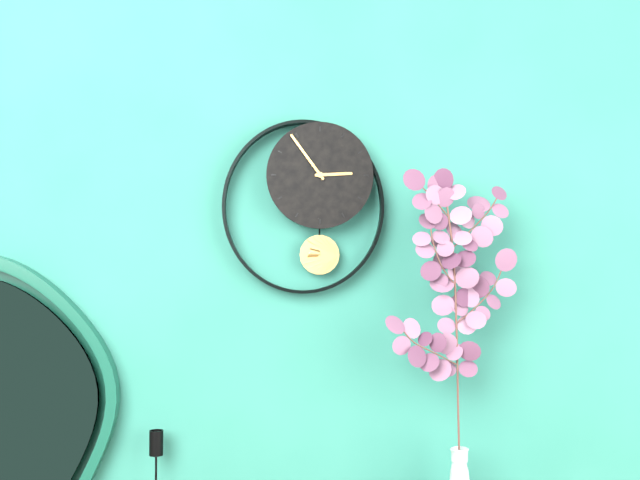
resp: 2,54
